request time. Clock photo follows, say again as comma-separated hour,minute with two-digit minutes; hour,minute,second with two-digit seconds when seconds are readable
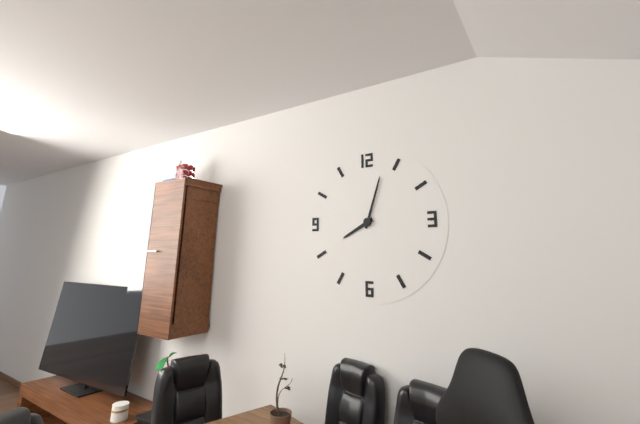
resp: 8,03
